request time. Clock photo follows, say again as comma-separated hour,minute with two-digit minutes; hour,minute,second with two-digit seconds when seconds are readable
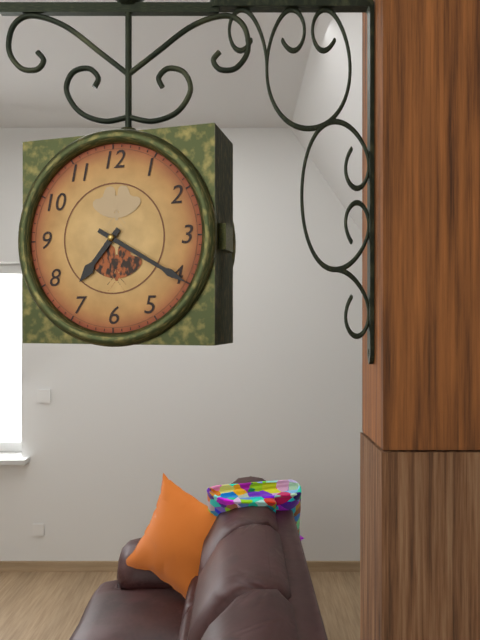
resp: 7,20
